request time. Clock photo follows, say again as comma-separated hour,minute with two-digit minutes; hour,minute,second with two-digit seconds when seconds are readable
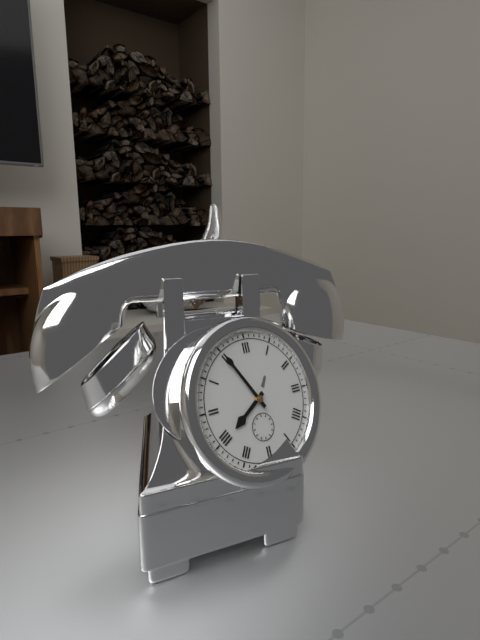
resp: 7,55
